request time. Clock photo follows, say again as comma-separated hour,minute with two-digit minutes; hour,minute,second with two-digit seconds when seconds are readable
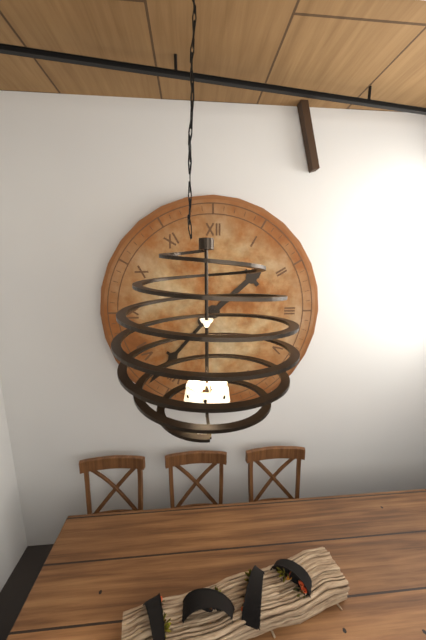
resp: 1,37
